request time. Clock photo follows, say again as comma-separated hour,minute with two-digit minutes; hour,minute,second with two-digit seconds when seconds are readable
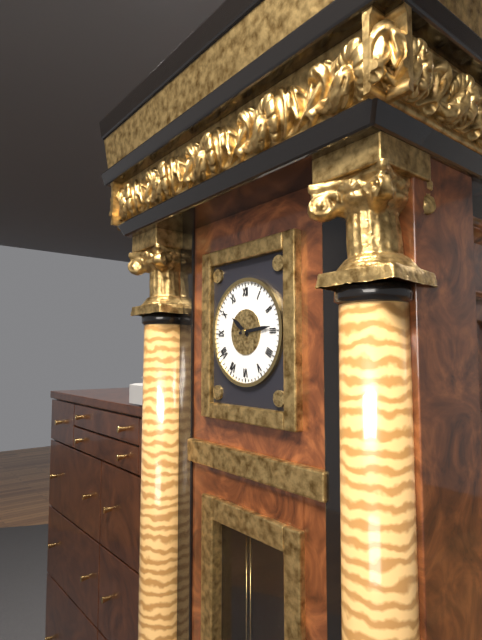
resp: 10,14
